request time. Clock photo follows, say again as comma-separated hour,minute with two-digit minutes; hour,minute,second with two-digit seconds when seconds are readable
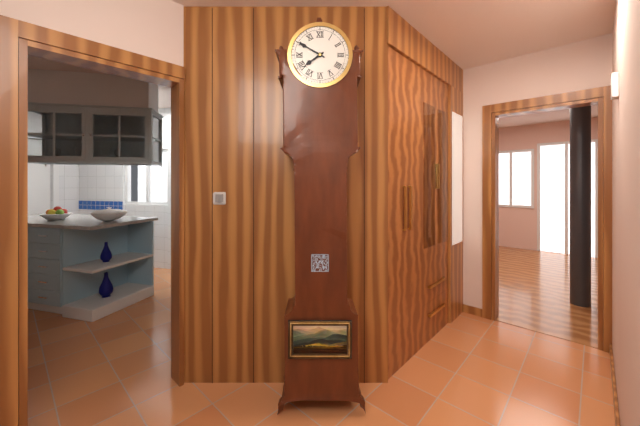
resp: 7,50
